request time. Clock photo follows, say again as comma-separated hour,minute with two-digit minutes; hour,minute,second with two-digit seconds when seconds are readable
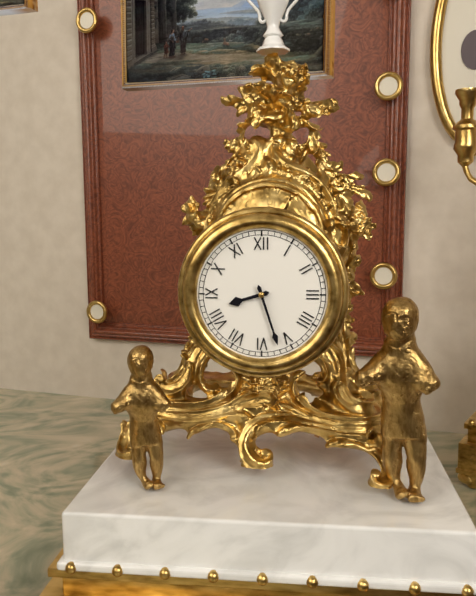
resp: 8,27
